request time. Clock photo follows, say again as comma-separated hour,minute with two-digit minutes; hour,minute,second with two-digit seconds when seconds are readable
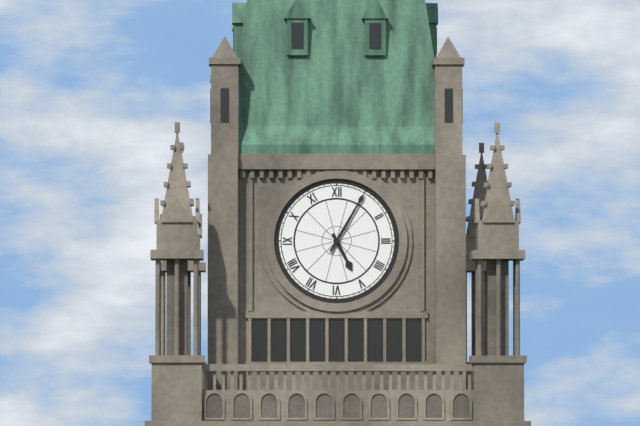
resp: 5,05
